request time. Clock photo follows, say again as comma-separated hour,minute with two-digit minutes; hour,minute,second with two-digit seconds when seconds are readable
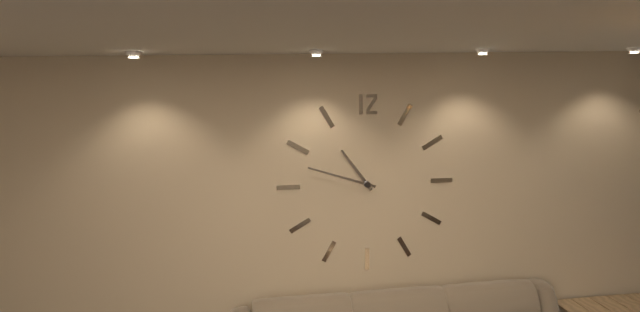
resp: 10,48
